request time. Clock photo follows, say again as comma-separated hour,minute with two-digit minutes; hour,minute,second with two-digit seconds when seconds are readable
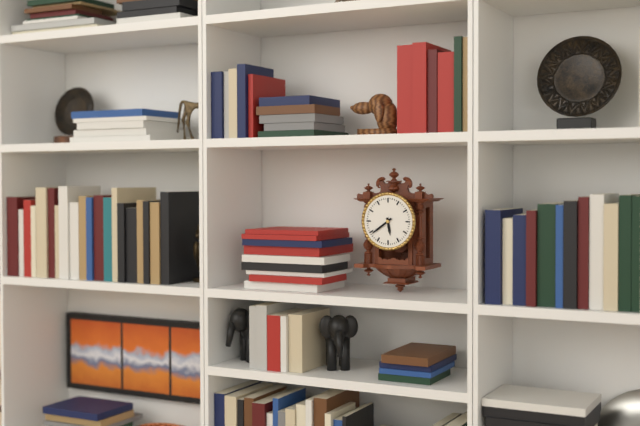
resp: 5,39
